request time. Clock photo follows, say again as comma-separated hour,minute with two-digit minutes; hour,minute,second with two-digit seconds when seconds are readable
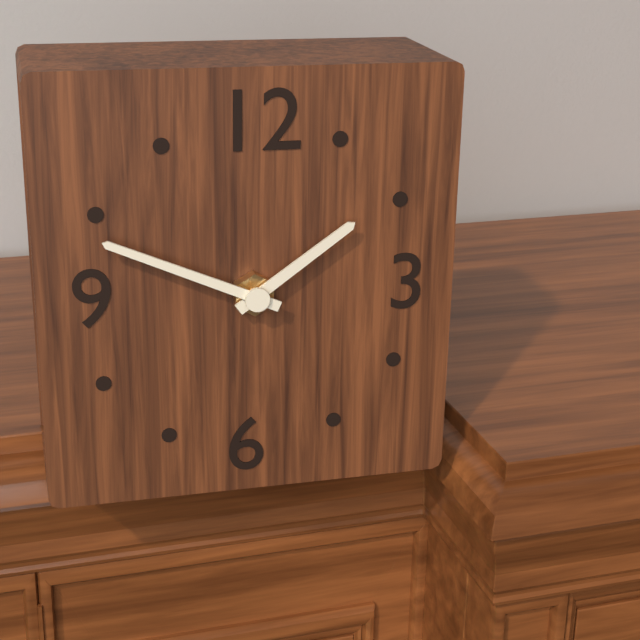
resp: 1,49
